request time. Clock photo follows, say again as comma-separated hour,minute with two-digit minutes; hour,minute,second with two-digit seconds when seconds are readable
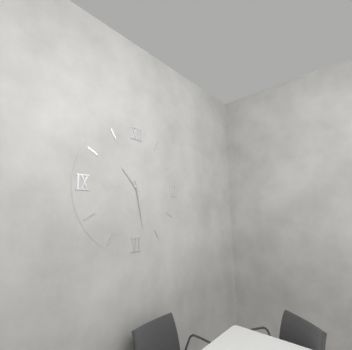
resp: 10,28
